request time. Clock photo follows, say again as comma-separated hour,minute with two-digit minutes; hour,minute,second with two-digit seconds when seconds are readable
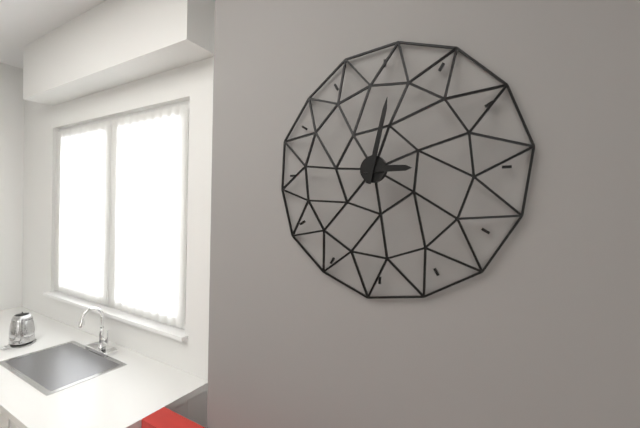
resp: 3,02
